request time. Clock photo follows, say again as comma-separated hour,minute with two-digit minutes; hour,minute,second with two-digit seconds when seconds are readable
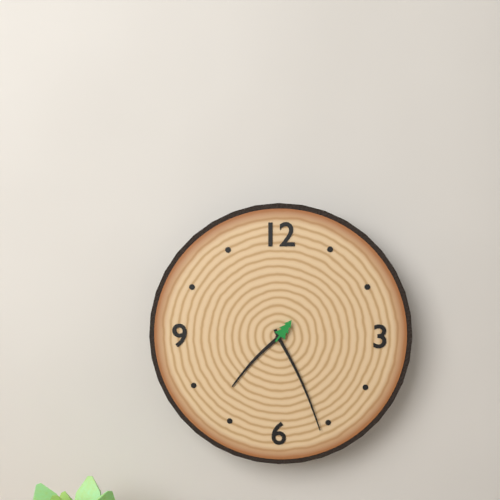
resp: 7,26
